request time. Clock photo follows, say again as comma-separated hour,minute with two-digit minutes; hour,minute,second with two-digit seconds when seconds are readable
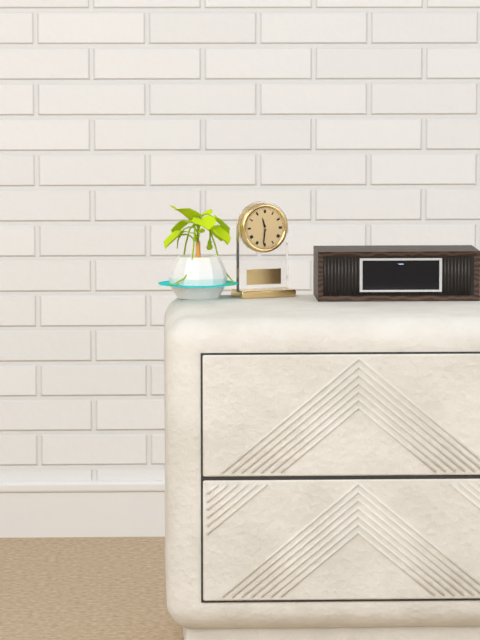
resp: 11,31
